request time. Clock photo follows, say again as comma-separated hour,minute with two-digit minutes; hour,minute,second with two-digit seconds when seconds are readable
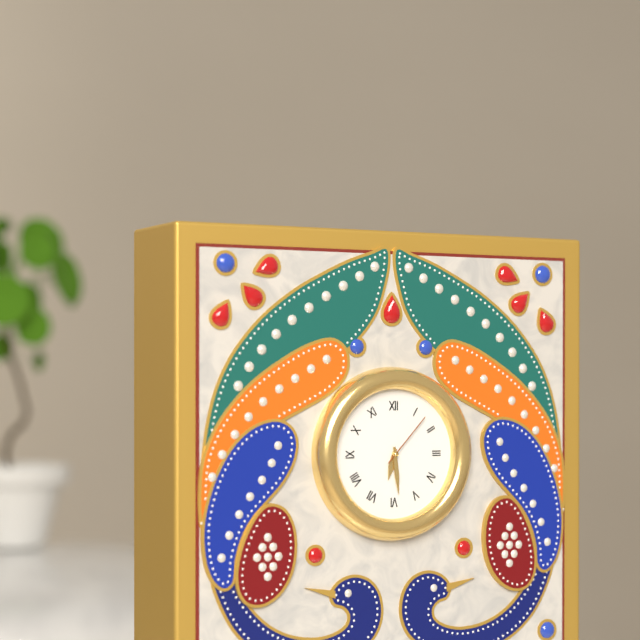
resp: 6,29,07
